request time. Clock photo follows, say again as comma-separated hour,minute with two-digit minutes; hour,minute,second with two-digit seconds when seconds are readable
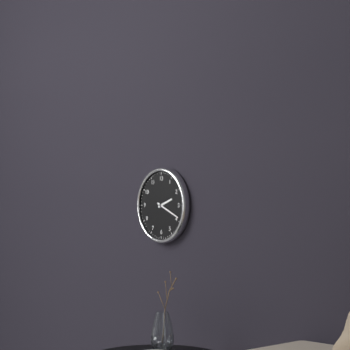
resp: 2,19
